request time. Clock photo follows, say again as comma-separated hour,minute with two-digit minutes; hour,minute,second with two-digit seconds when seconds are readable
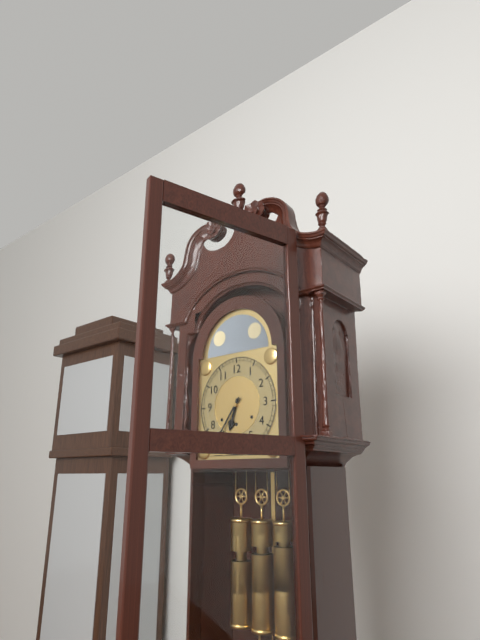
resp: 6,36
